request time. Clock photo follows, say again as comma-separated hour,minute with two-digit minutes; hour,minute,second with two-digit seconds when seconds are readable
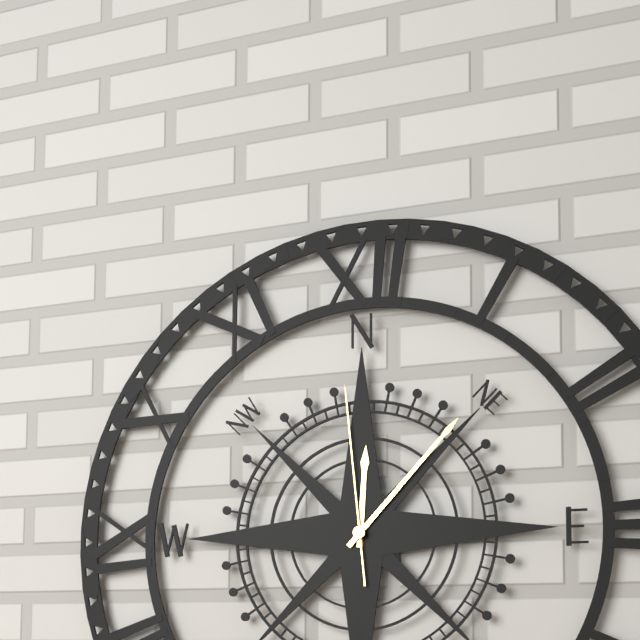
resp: 12,07,59
